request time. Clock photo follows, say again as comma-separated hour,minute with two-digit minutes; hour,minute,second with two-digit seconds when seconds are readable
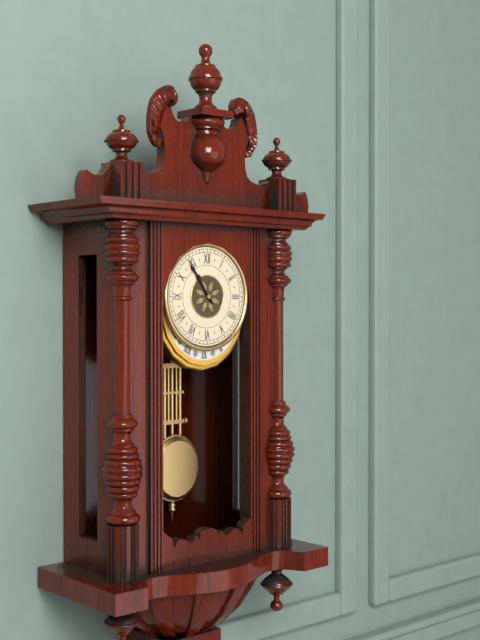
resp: 10,54
